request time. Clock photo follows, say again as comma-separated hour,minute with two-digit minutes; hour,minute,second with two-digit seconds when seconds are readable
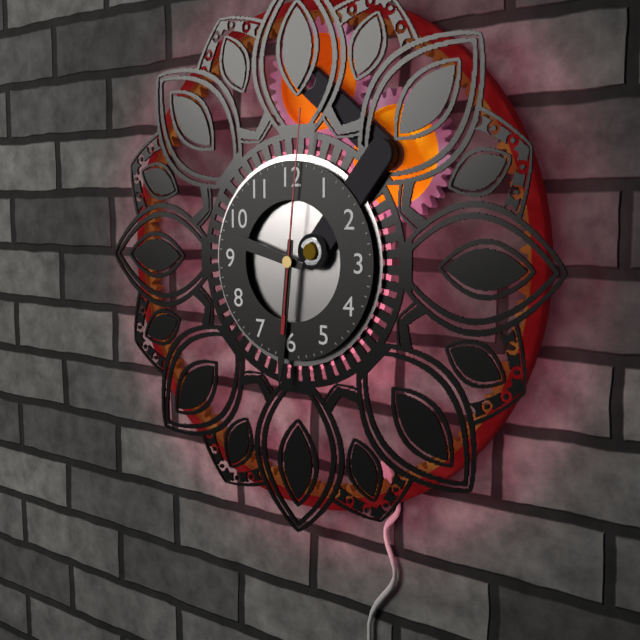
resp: 9,31,01
